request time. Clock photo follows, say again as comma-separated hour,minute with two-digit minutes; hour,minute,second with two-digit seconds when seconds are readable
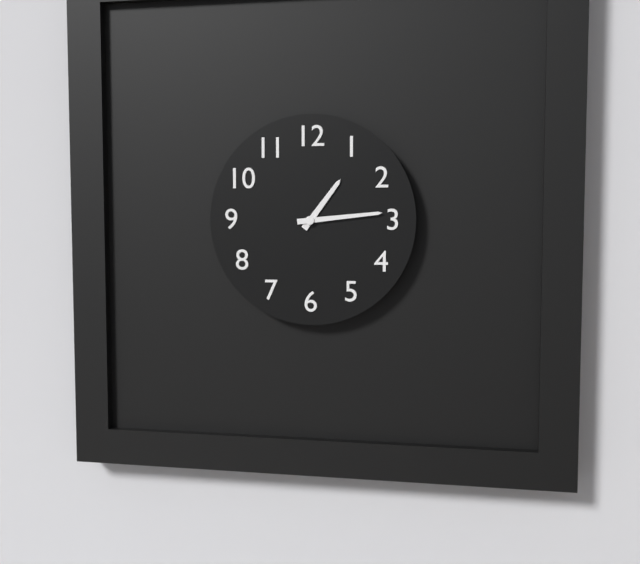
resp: 1,14
